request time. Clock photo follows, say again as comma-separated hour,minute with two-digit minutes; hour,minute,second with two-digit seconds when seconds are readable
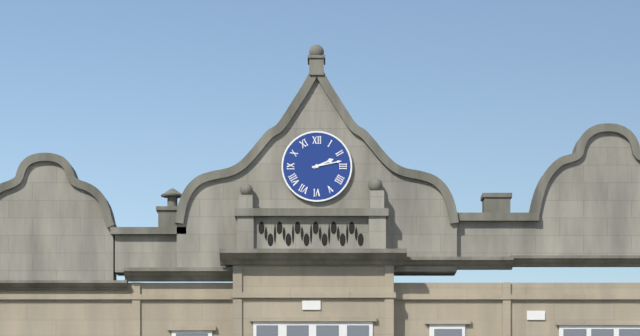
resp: 2,13
